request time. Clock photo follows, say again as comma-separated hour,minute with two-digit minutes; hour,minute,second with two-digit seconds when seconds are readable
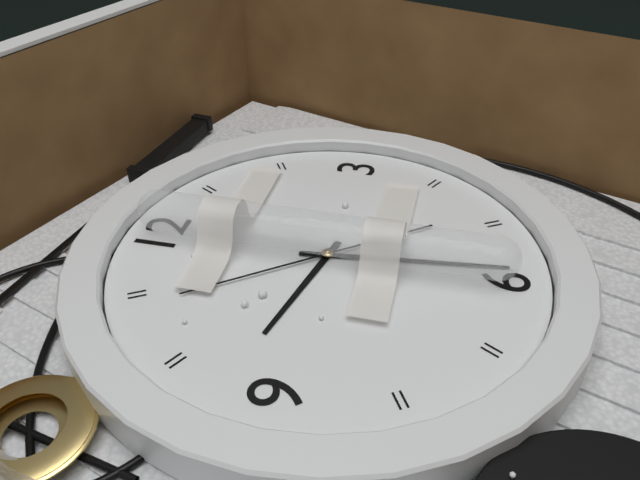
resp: 9,29,54
